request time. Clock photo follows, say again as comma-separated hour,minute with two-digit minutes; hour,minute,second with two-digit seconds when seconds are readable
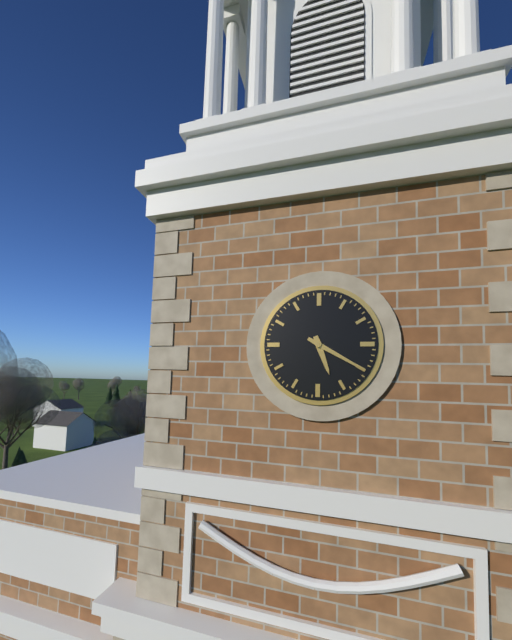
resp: 5,20
